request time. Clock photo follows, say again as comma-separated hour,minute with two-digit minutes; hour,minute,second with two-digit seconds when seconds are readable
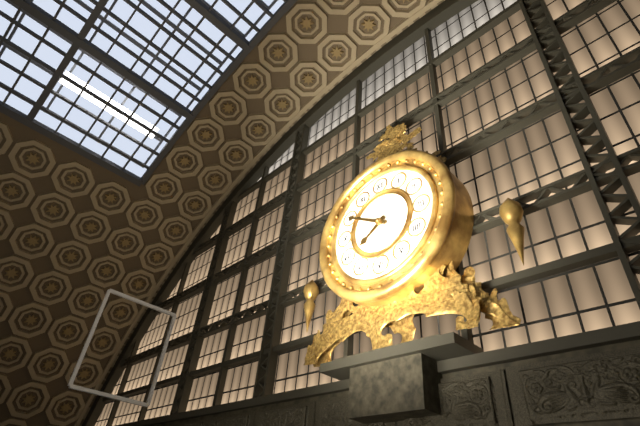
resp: 7,50
